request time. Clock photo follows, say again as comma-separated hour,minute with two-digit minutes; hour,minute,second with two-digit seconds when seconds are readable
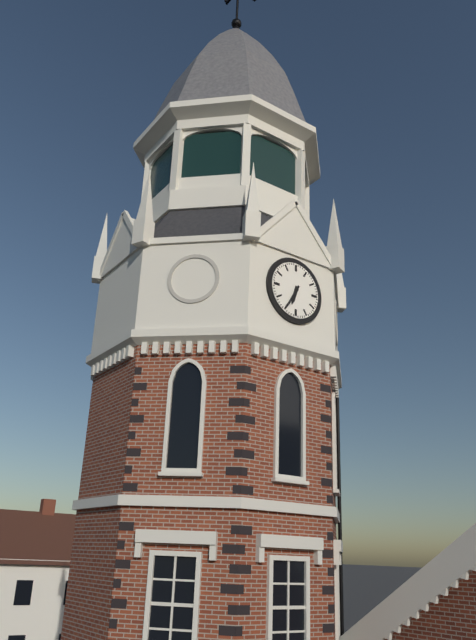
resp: 6,35
